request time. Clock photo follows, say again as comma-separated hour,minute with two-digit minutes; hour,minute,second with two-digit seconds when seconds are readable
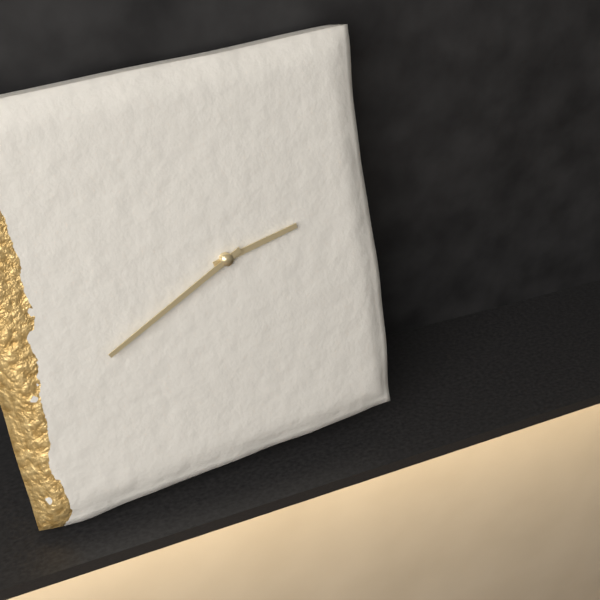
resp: 2,41
